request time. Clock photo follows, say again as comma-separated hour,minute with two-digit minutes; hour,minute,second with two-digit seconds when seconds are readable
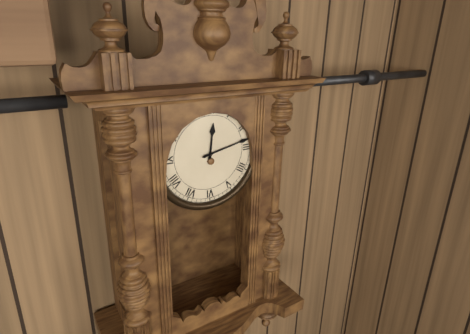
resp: 12,13
